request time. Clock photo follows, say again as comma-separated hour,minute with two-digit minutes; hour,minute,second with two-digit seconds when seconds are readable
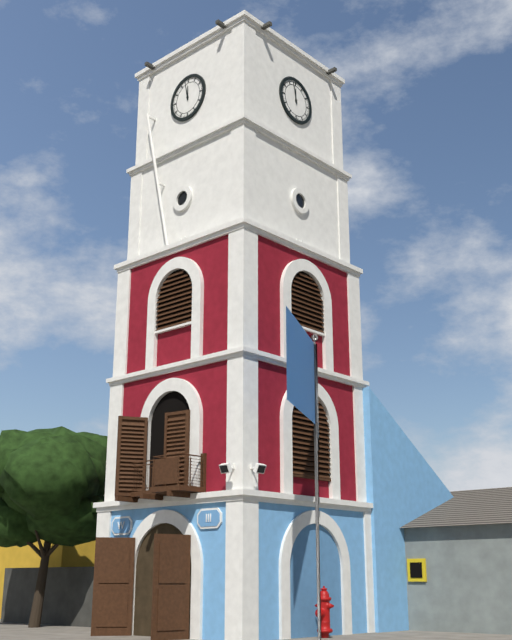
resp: 11,58
